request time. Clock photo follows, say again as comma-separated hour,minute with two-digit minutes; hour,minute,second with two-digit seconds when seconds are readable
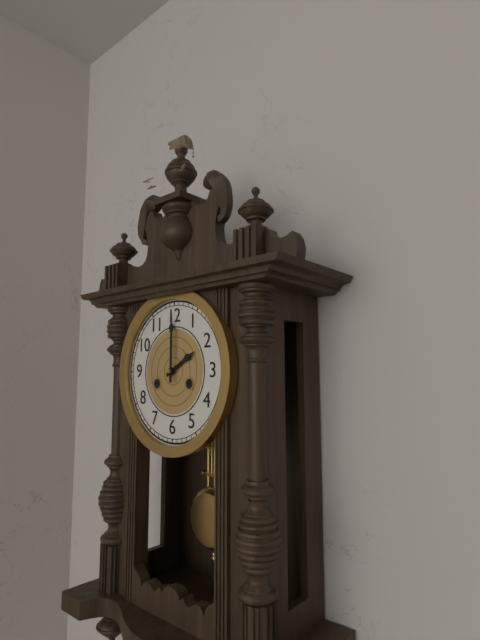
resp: 2,00
